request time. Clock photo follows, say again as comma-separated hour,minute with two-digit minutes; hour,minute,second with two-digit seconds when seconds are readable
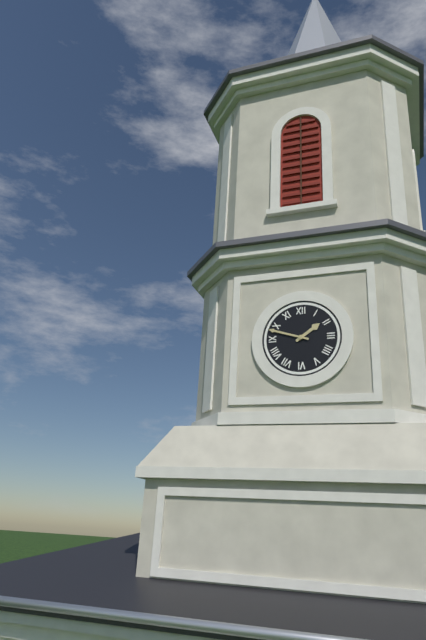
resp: 1,48
